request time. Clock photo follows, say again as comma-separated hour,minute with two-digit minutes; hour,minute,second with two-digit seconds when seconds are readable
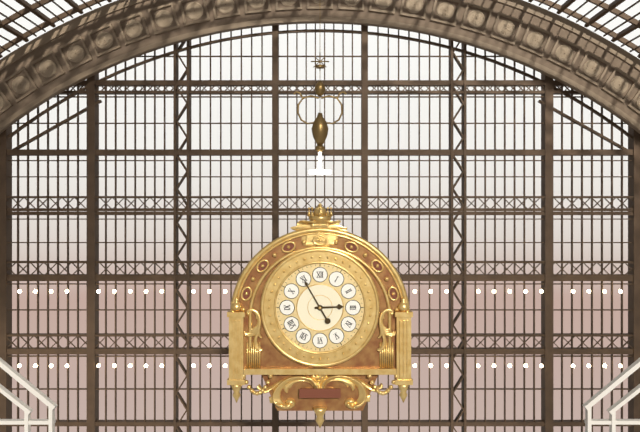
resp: 2,55
